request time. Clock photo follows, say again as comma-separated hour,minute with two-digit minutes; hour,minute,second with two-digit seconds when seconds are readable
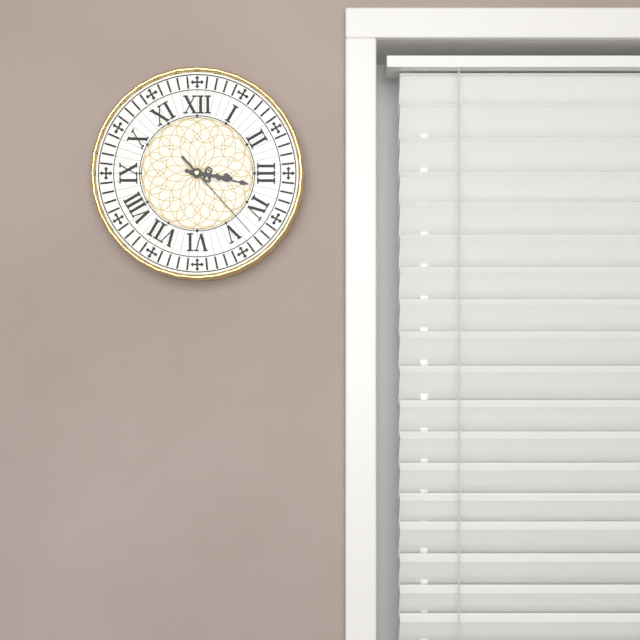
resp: 3,17,23
